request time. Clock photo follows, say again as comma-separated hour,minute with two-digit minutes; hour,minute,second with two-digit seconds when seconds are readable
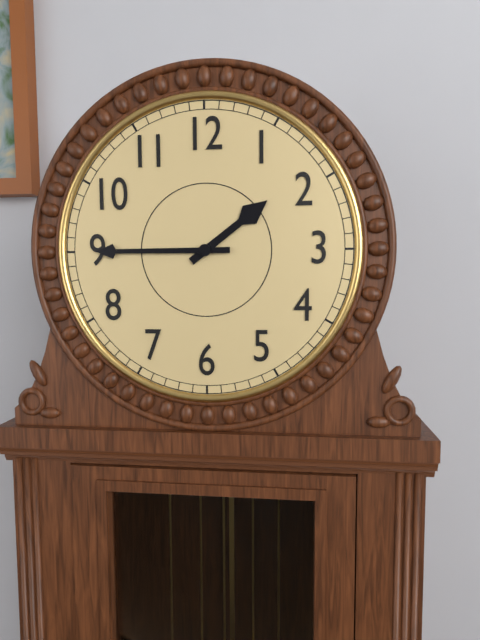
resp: 1,45
